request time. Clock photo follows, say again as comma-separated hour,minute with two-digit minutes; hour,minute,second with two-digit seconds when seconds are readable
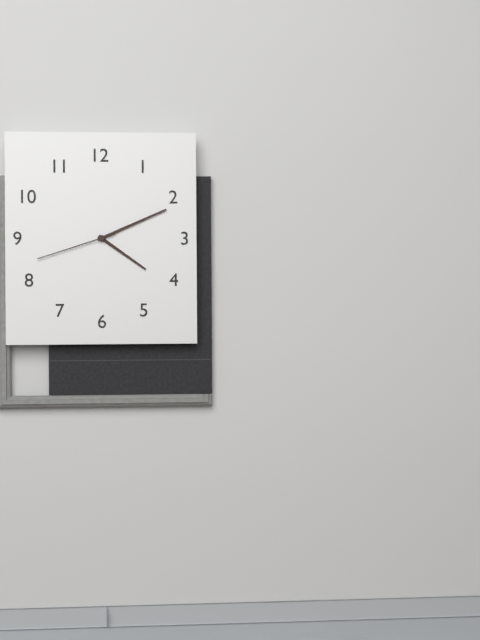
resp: 4,11,42
